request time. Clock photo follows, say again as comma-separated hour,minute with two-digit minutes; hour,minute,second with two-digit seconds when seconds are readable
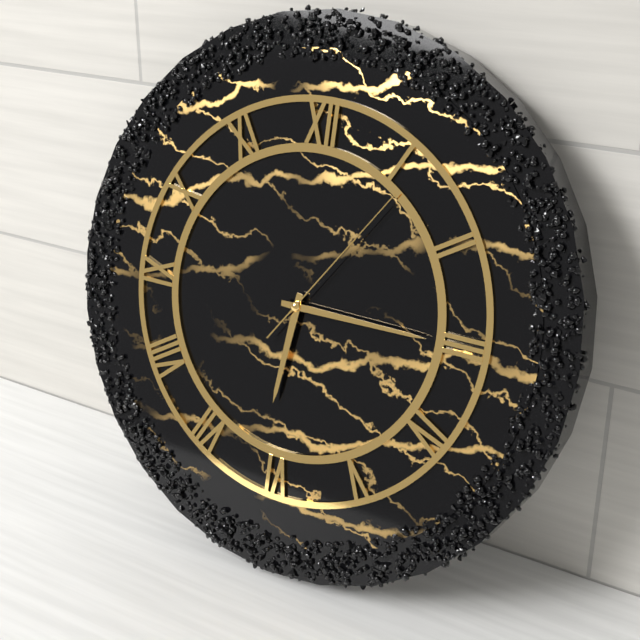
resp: 6,15,06
